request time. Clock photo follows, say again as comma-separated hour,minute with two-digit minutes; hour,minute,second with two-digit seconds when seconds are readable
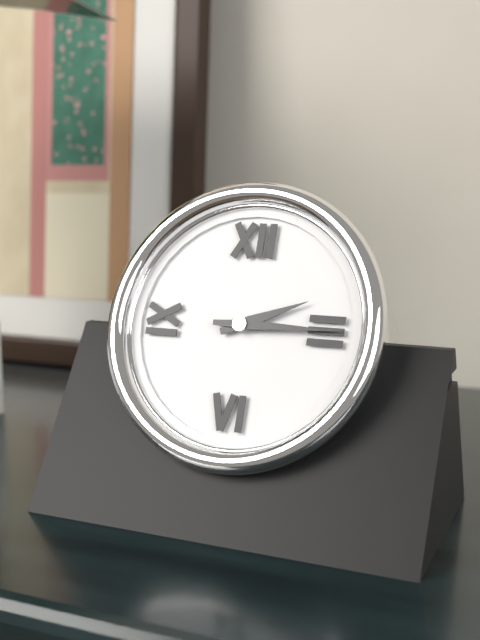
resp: 2,15
